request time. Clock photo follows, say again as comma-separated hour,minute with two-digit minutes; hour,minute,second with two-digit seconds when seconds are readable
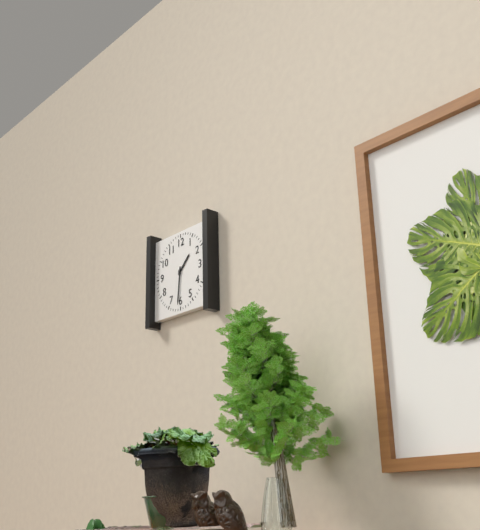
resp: 1,31
